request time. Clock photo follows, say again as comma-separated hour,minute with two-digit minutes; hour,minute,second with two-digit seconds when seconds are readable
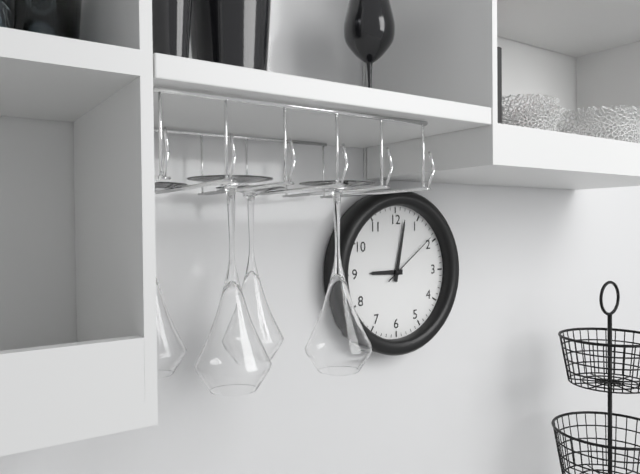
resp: 9,02,09
